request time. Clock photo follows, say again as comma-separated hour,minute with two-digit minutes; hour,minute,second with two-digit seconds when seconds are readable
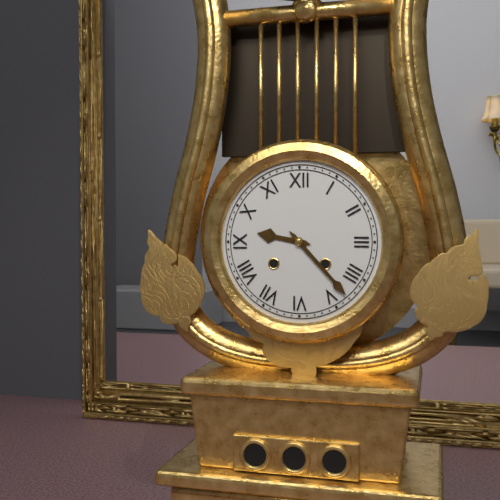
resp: 9,23
